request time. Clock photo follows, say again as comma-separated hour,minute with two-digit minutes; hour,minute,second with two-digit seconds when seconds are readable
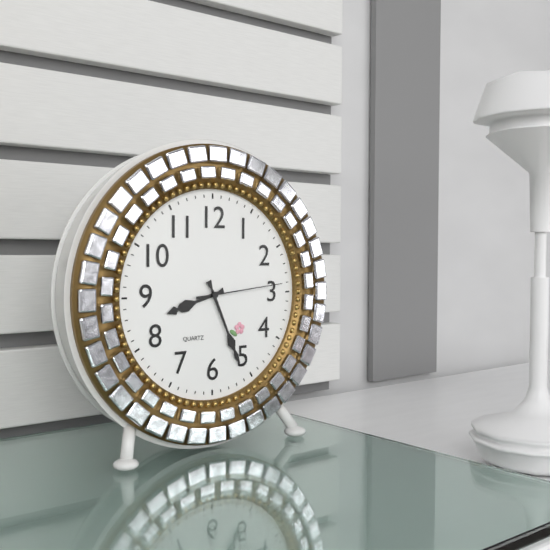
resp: 8,26,14
